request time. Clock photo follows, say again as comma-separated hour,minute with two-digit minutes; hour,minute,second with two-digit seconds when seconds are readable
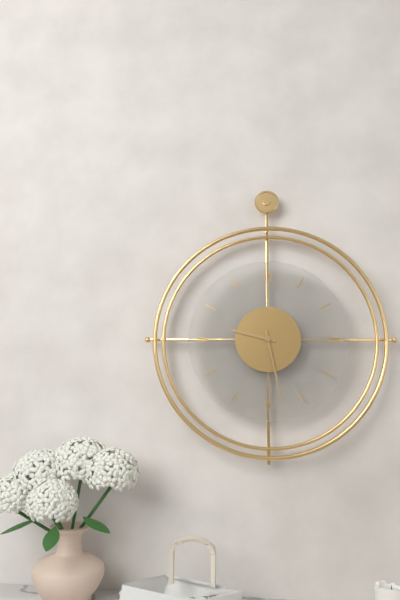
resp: 9,28
